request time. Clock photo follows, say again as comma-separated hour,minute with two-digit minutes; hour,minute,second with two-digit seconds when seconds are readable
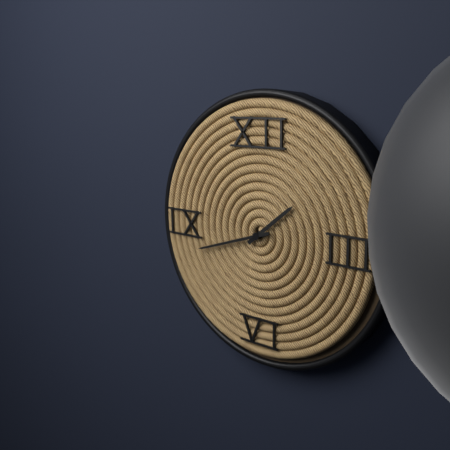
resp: 1,42
